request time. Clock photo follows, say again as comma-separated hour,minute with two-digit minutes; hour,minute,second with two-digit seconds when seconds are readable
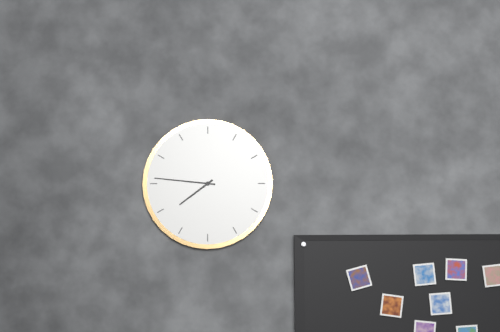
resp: 7,46
